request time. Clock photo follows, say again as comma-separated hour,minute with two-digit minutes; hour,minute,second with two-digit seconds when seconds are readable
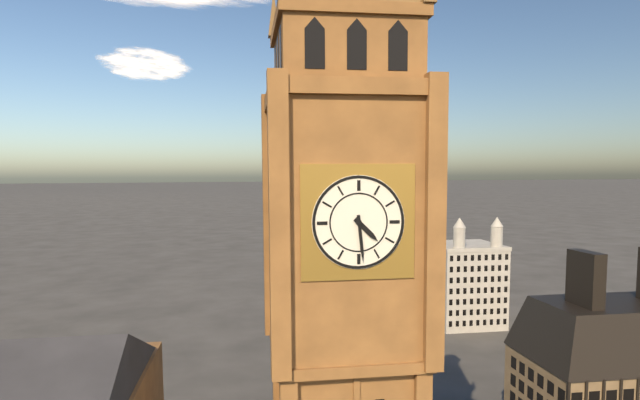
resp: 4,29
